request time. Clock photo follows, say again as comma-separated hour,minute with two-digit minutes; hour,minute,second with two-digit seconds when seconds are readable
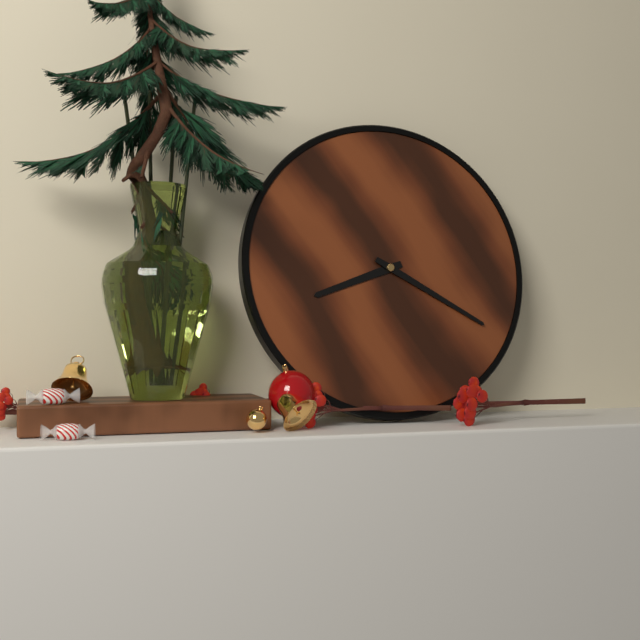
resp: 8,20
